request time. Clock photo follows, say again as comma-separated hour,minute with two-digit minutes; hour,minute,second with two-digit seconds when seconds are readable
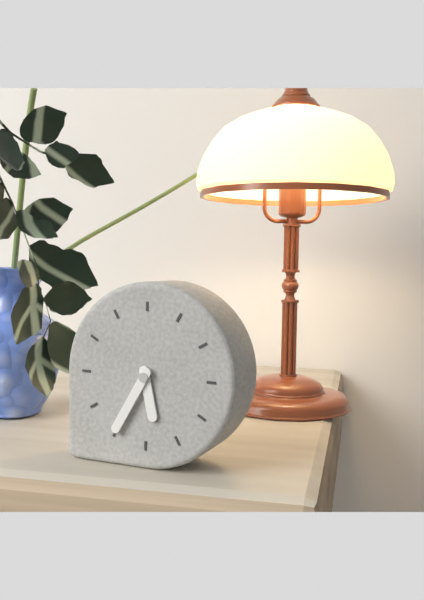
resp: 5,35
